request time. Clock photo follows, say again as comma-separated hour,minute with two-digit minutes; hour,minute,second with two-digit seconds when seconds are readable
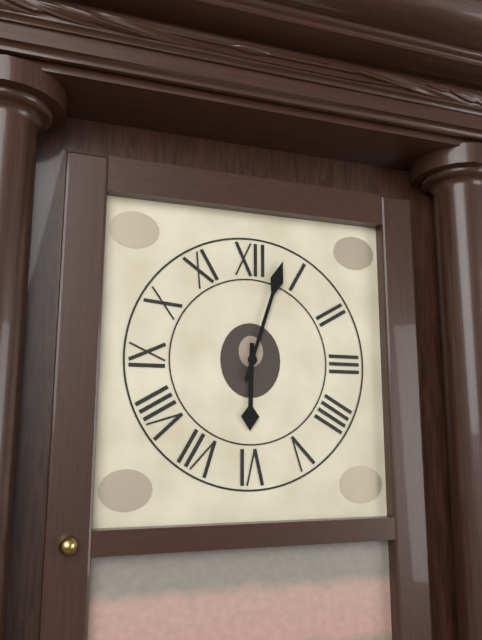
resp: 6,03
